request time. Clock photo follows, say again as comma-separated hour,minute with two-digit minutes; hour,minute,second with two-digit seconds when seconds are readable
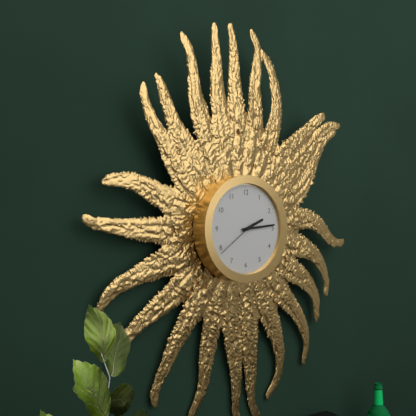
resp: 2,14
